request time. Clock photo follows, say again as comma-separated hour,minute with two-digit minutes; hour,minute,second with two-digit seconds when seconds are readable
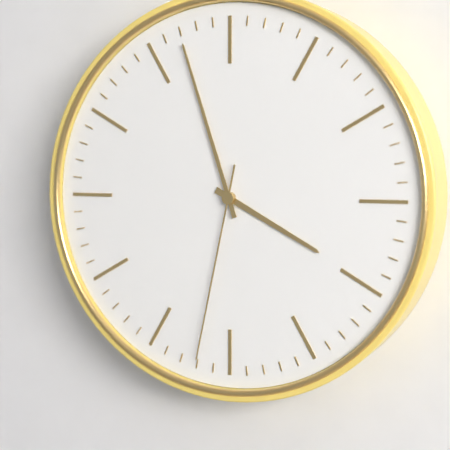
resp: 3,57,32
